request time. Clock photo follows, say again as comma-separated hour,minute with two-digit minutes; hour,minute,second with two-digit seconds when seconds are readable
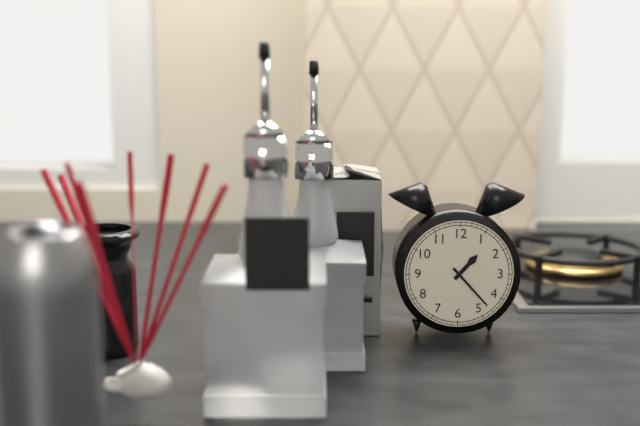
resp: 1,23
